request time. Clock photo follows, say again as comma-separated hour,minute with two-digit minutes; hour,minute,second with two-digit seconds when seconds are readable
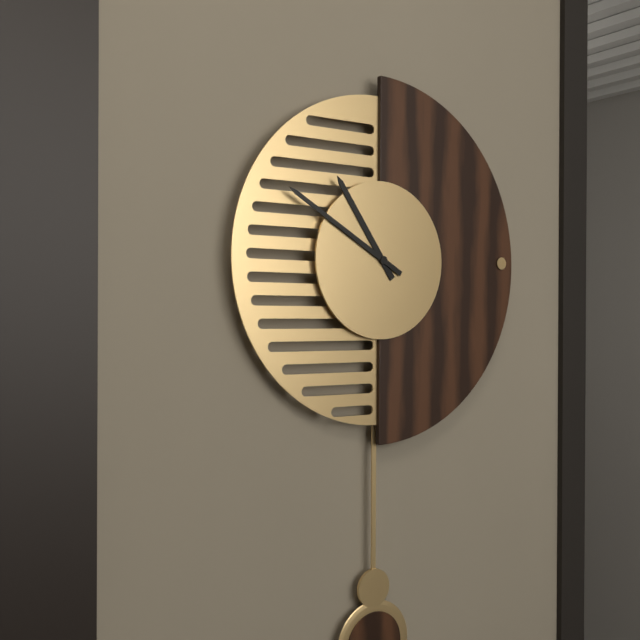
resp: 10,50
